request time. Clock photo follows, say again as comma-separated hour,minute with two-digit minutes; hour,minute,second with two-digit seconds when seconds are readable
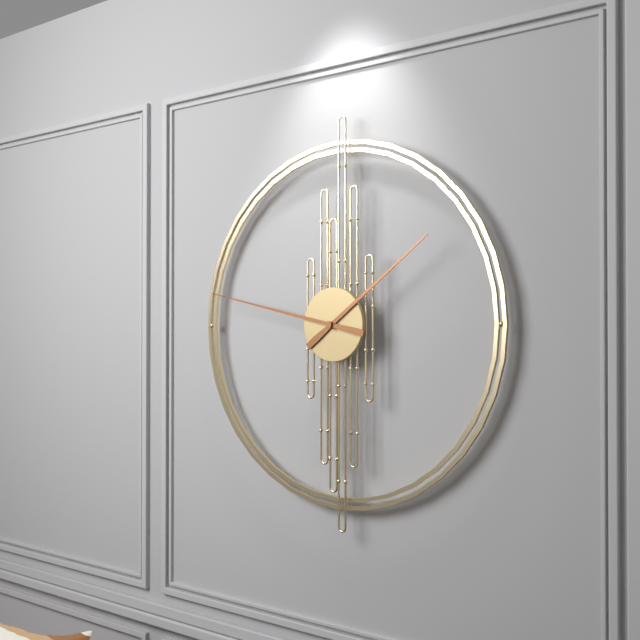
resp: 1,47
